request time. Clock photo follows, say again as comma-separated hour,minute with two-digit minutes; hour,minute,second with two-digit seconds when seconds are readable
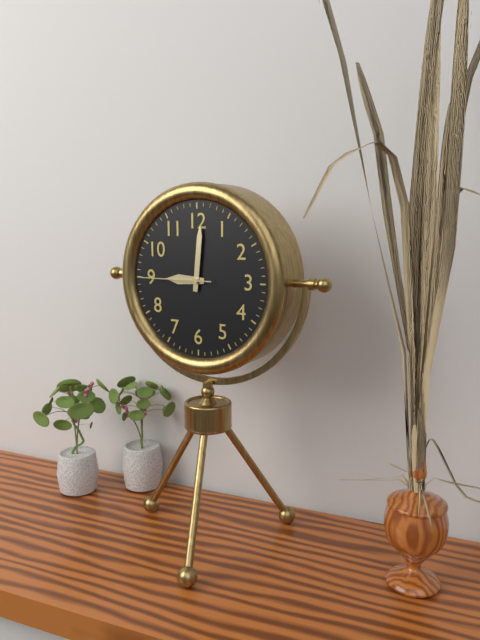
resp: 9,01,45
